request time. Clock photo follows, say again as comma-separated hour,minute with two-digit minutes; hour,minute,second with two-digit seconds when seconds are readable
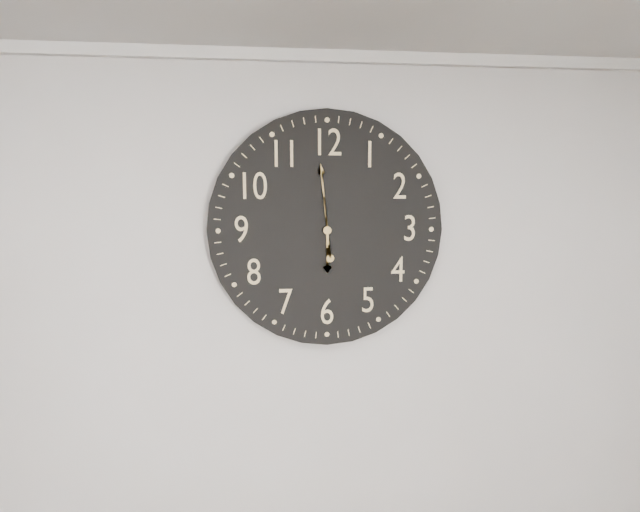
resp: 5,59
